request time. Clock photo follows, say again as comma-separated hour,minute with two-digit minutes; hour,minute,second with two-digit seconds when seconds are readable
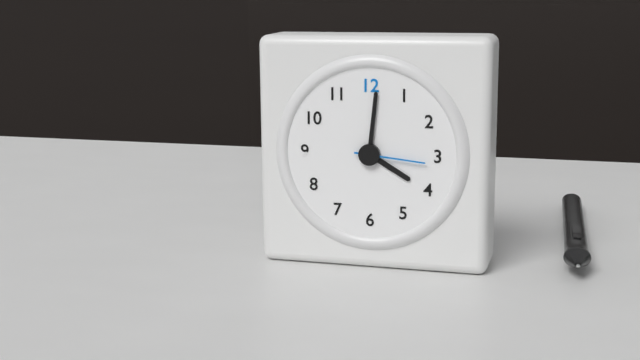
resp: 4,01,16
